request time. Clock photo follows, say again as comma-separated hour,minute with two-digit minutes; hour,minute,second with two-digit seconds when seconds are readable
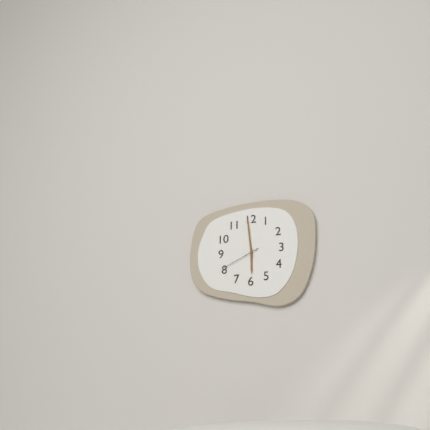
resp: 5,59
